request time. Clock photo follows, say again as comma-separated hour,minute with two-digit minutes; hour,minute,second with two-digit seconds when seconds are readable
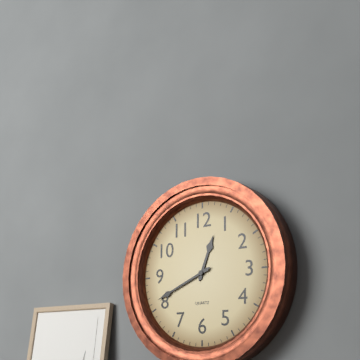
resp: 12,41
